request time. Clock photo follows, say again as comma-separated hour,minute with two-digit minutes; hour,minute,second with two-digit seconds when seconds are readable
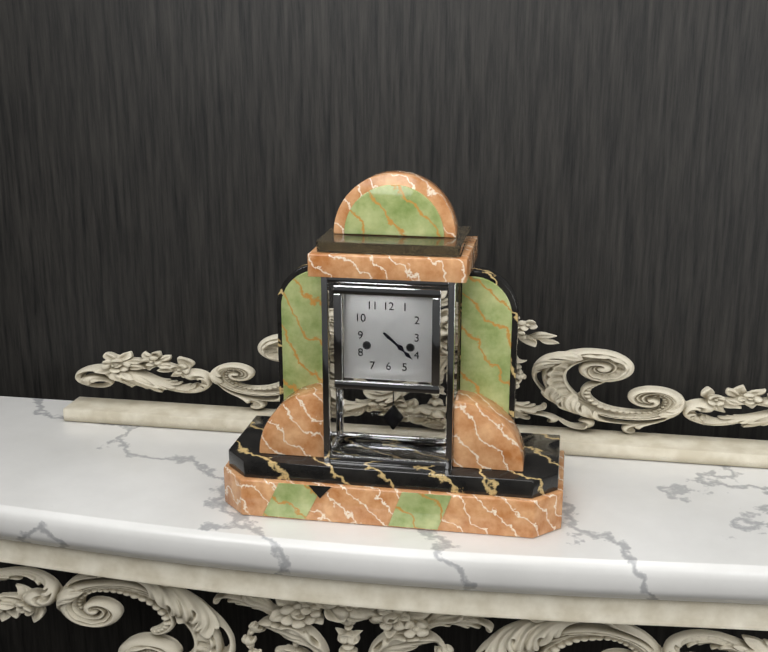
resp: 4,22
